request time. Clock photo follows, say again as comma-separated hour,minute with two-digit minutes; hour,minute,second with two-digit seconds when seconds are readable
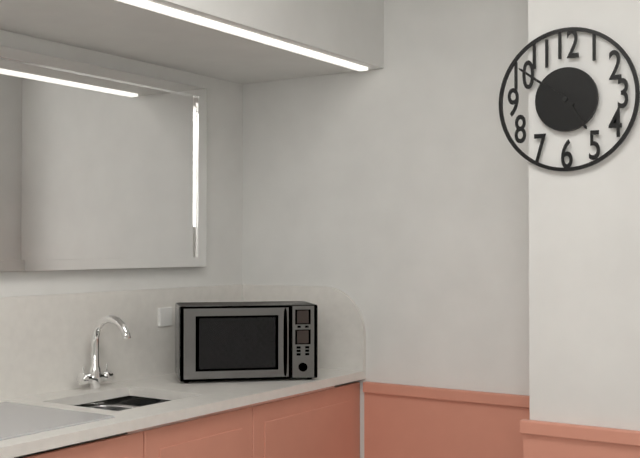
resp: 4,51
